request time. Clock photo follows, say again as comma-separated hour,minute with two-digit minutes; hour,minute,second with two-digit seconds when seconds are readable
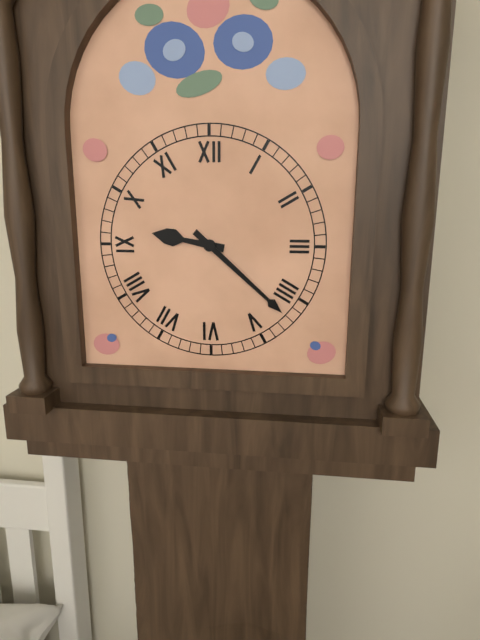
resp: 9,22
